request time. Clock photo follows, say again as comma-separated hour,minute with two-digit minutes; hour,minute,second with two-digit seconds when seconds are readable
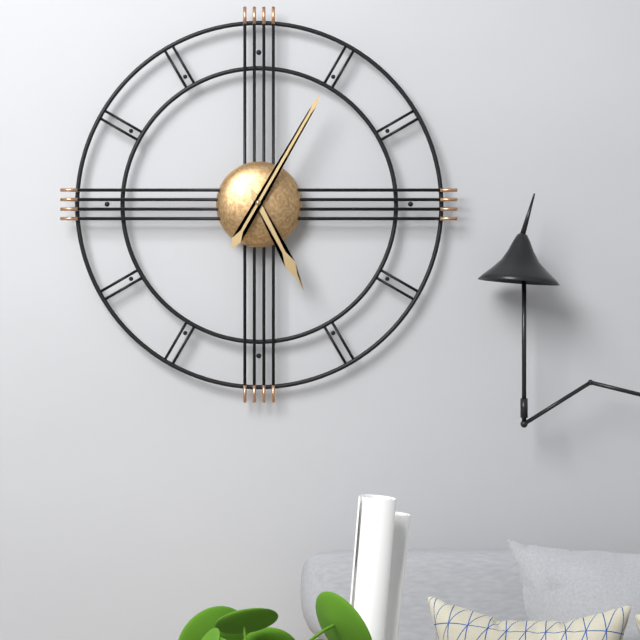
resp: 5,05
